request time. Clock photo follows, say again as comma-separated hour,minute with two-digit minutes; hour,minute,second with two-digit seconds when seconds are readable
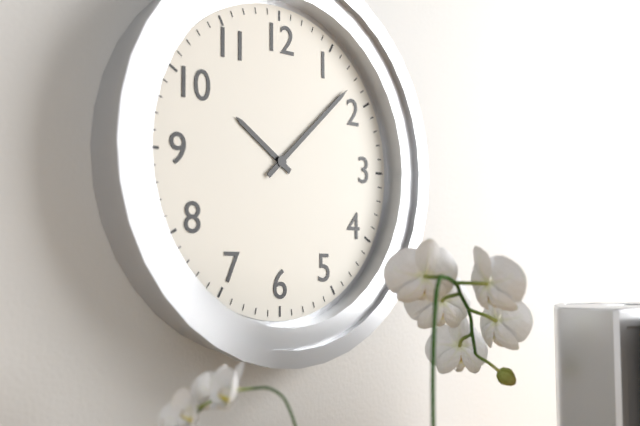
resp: 10,08
